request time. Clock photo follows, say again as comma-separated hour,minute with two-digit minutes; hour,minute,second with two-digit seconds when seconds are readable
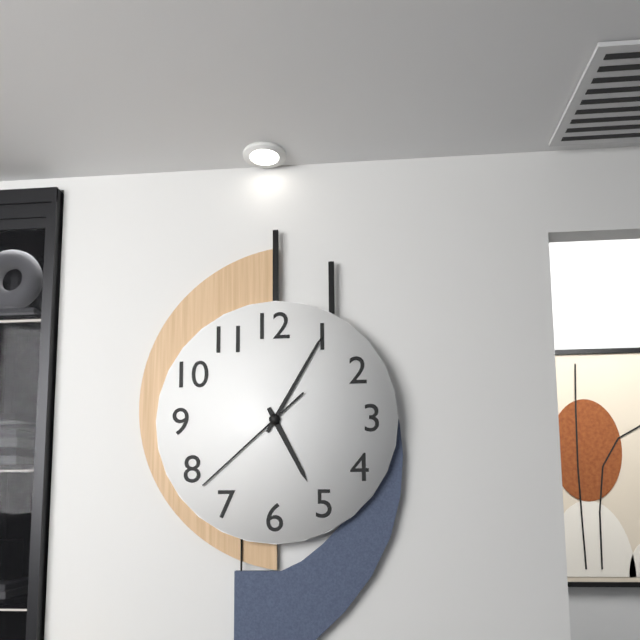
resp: 5,05,38
